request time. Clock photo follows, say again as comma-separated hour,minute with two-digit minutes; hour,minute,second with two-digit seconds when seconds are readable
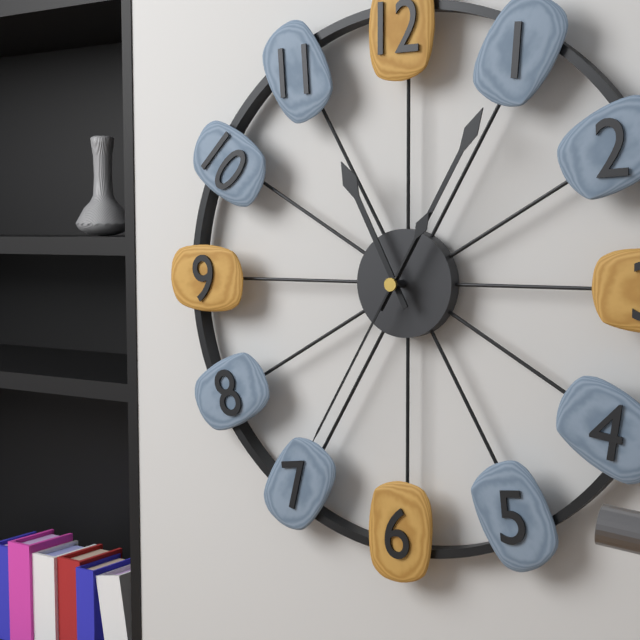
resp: 11,05,35
